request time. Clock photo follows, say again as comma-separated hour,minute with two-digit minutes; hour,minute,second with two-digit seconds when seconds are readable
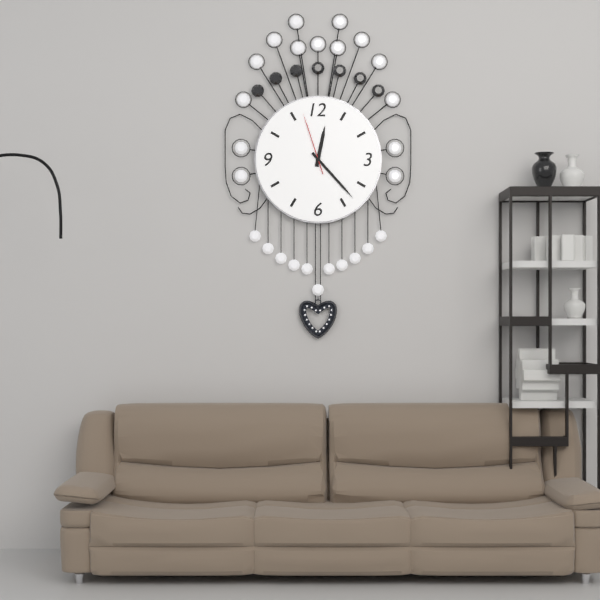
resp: 12,23,57
